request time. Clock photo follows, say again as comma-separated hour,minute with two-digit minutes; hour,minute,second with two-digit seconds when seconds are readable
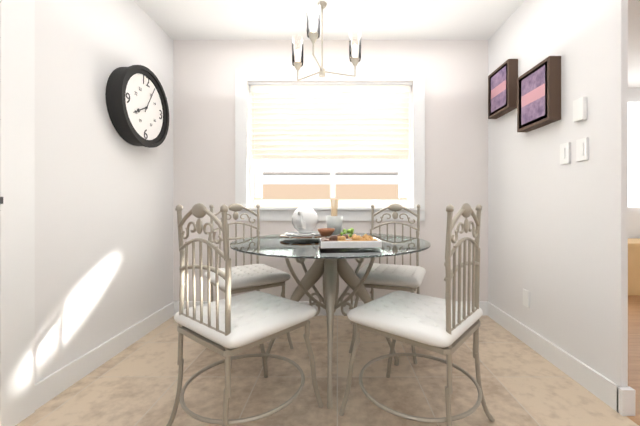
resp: 8,05
